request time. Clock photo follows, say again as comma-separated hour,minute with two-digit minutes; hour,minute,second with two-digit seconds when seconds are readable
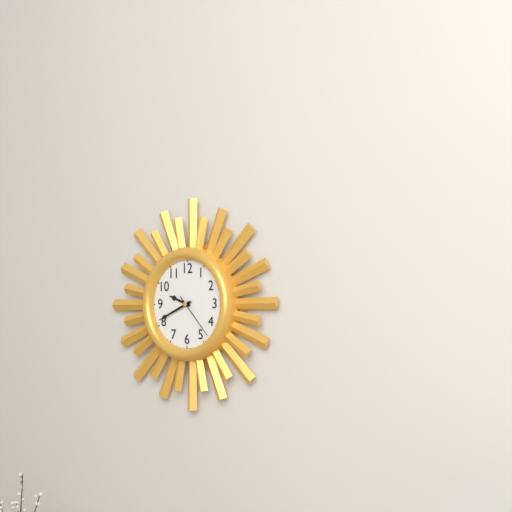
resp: 9,41
